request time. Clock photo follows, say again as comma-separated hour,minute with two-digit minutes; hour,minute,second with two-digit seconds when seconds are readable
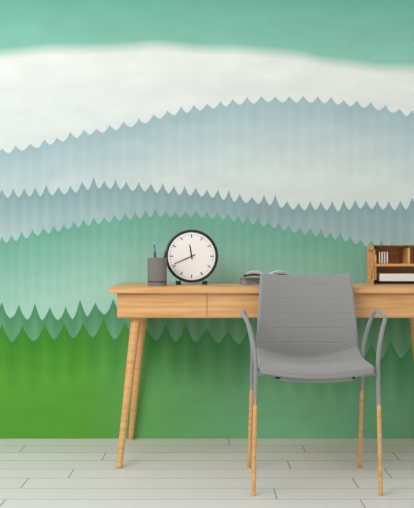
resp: 11,41
